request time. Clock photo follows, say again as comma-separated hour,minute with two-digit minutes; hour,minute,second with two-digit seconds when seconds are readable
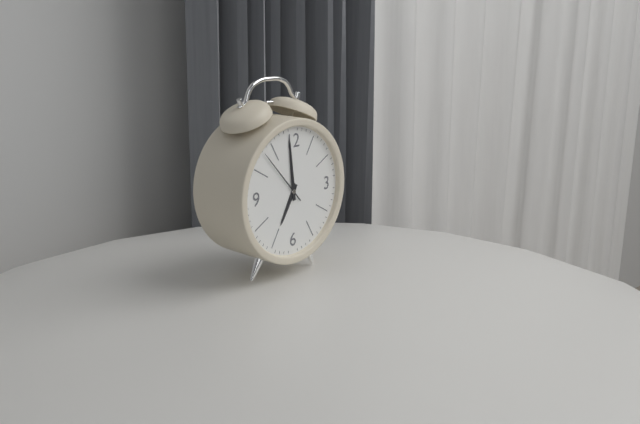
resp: 6,59,53
